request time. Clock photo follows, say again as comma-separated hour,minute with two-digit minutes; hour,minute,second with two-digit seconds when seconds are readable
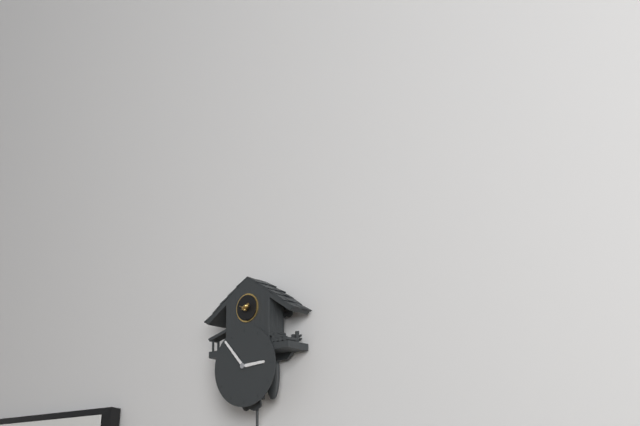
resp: 2,53
